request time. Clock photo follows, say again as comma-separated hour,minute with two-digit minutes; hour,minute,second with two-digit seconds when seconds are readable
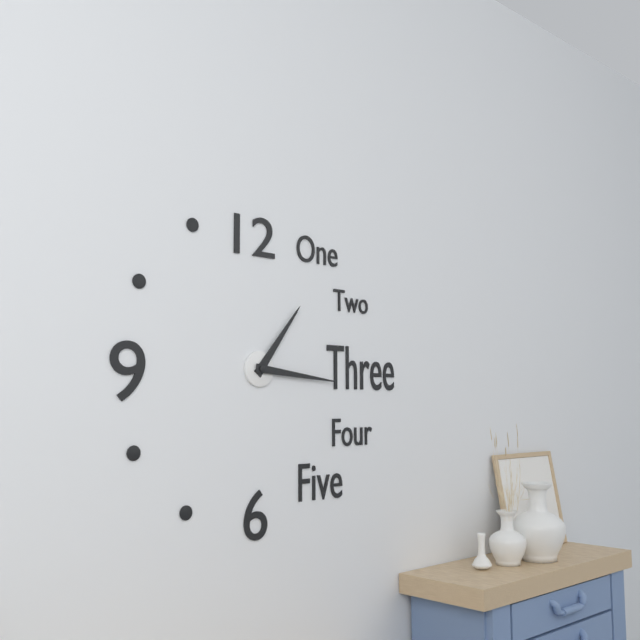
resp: 1,16
